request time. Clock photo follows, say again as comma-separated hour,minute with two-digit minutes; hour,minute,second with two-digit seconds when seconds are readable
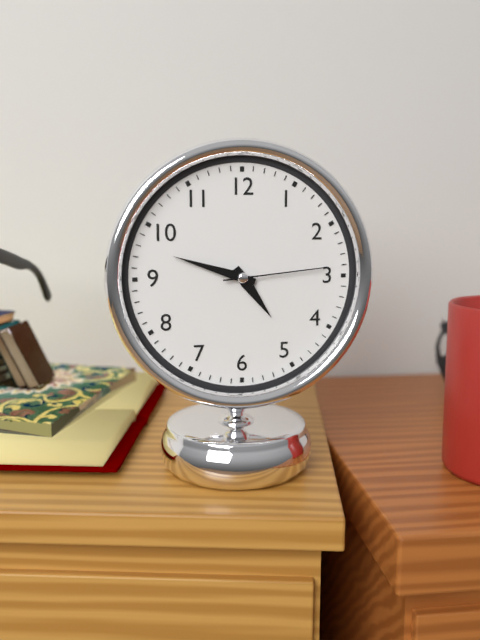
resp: 4,48,14
